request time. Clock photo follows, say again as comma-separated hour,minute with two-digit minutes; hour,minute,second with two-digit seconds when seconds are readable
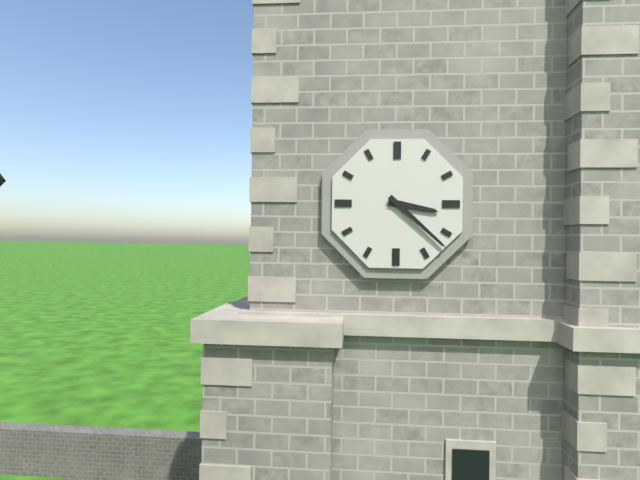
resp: 3,22
